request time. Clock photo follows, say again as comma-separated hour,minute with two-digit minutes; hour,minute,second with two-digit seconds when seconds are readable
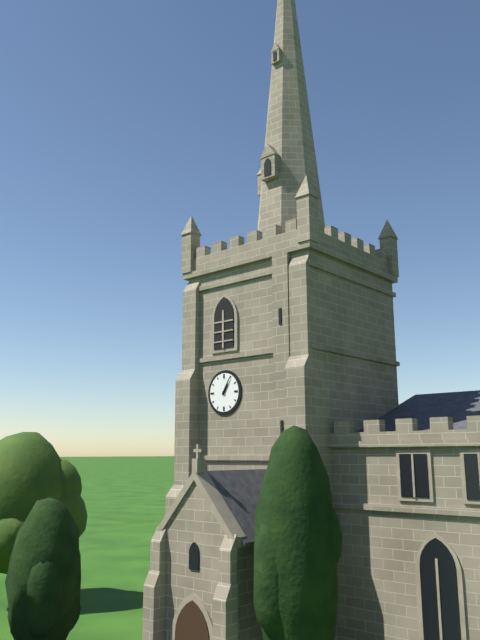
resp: 1,05
